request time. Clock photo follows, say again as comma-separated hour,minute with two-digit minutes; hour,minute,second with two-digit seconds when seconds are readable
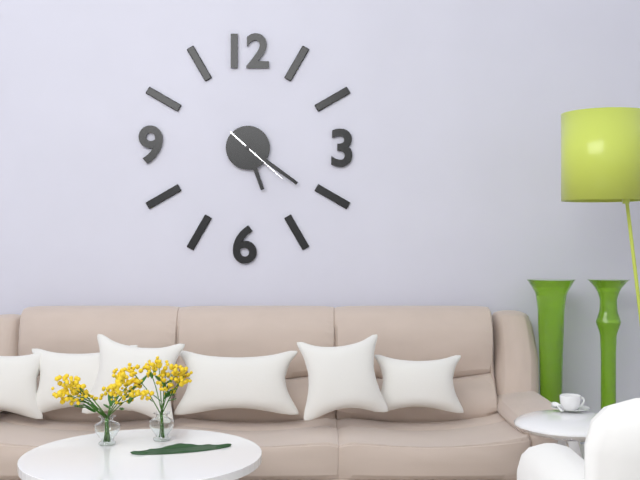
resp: 5,21,22
